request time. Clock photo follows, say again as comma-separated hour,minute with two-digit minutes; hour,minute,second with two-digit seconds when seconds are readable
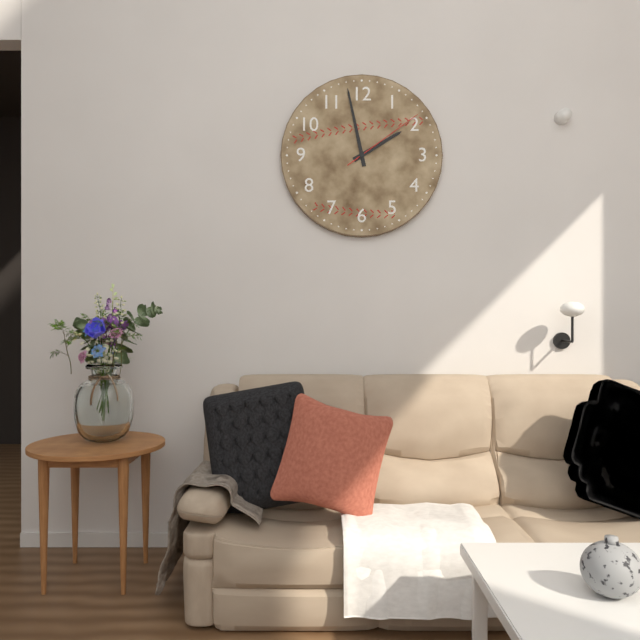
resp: 1,58,09
